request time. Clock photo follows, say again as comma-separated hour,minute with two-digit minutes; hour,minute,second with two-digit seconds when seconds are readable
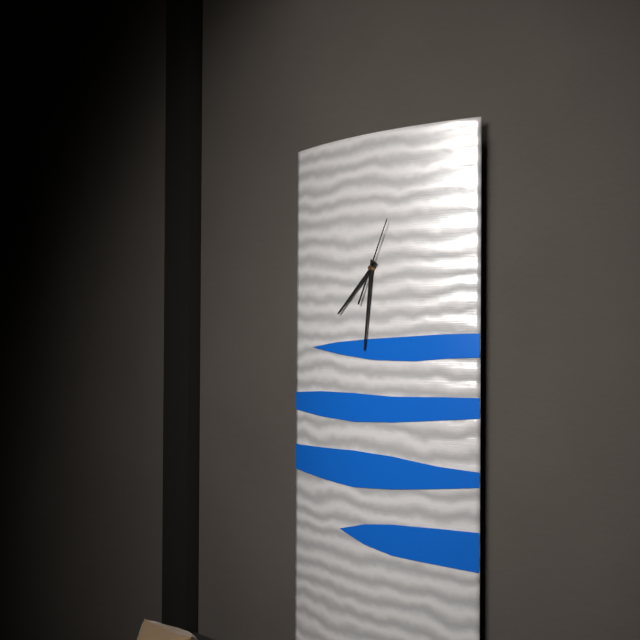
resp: 7,31,04
